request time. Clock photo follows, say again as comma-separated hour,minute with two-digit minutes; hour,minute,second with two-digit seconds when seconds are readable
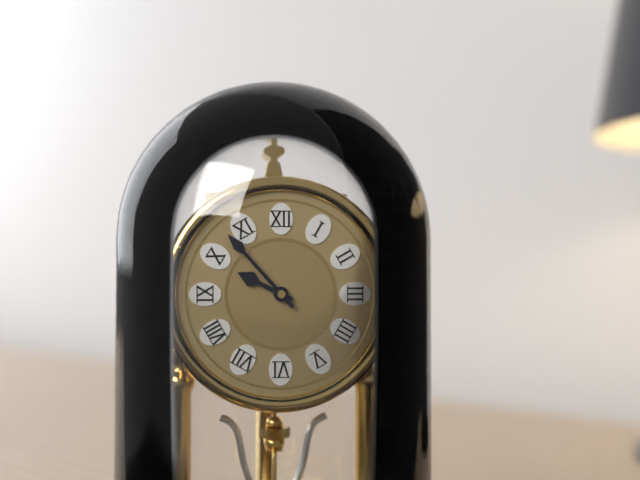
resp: 9,53
